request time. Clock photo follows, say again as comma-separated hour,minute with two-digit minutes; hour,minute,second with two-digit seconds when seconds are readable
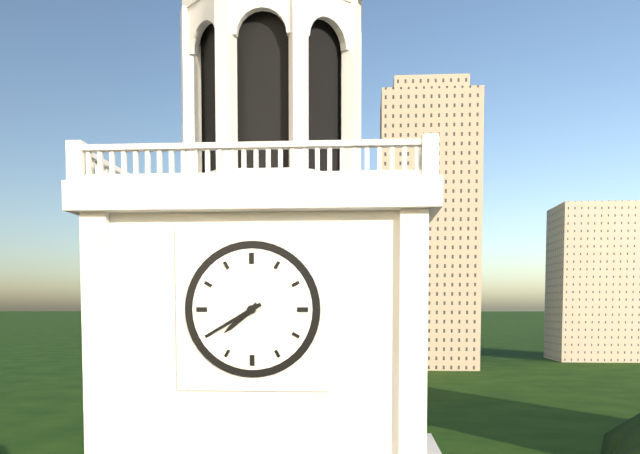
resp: 7,40
